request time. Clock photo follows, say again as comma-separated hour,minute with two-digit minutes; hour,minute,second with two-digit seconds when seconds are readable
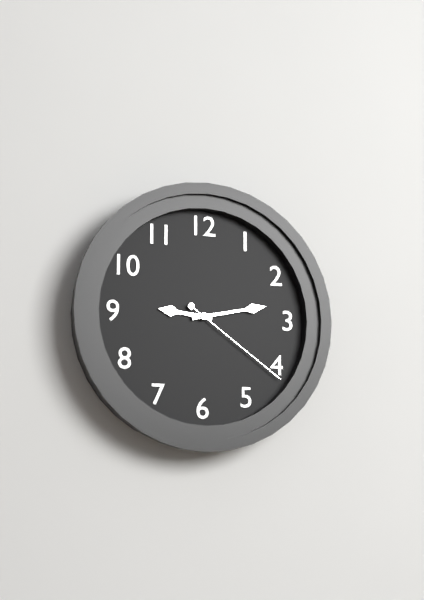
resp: 9,13,21
